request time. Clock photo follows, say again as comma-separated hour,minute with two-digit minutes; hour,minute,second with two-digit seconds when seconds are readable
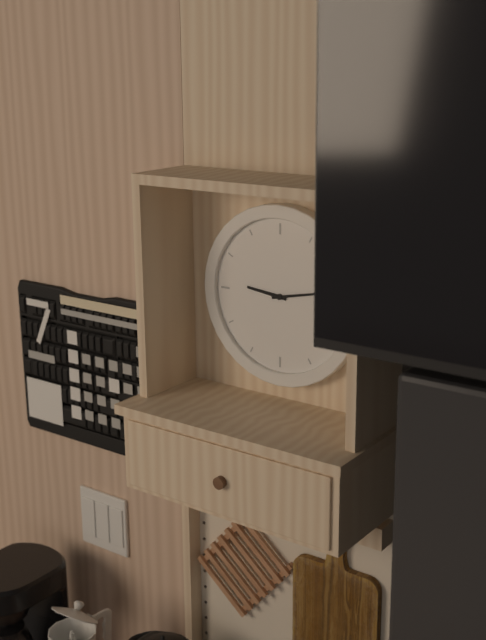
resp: 9,13
